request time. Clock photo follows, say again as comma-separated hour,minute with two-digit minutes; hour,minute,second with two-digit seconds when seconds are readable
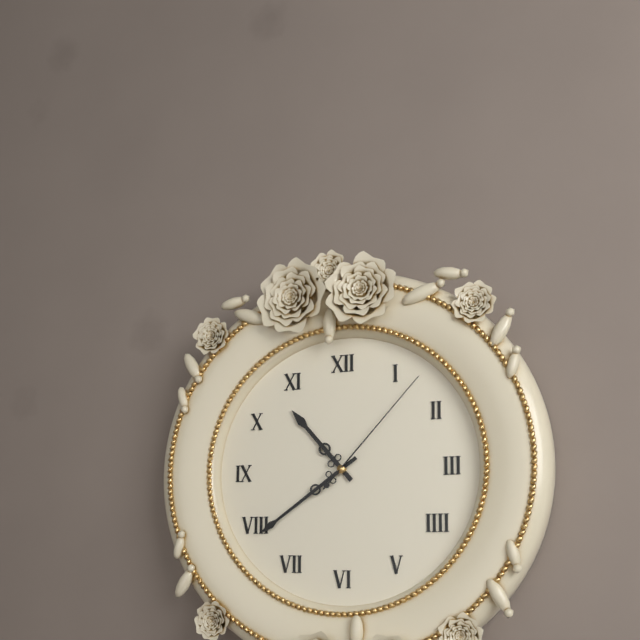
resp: 10,39,07
